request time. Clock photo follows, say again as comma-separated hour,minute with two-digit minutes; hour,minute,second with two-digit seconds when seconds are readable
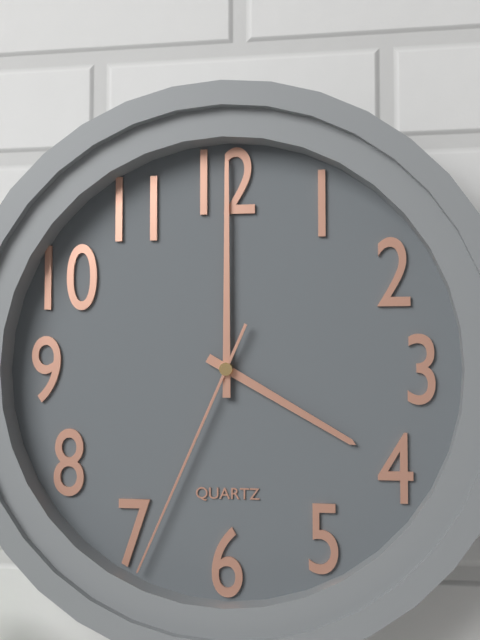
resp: 4,00,34
